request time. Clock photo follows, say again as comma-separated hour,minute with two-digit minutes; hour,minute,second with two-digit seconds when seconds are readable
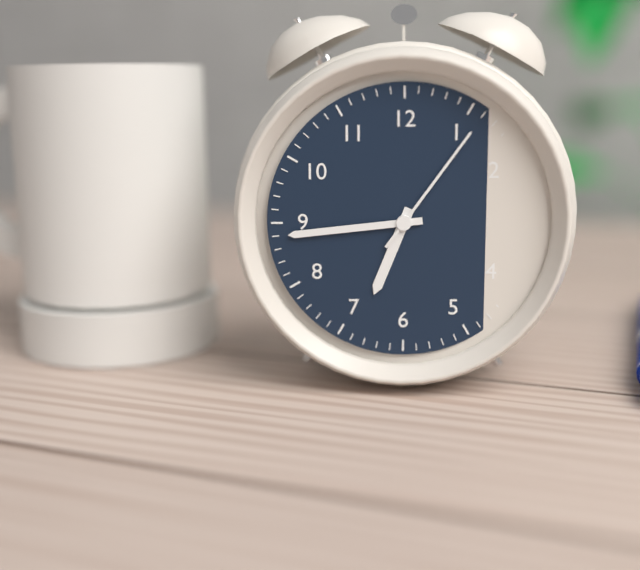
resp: 6,44,06
